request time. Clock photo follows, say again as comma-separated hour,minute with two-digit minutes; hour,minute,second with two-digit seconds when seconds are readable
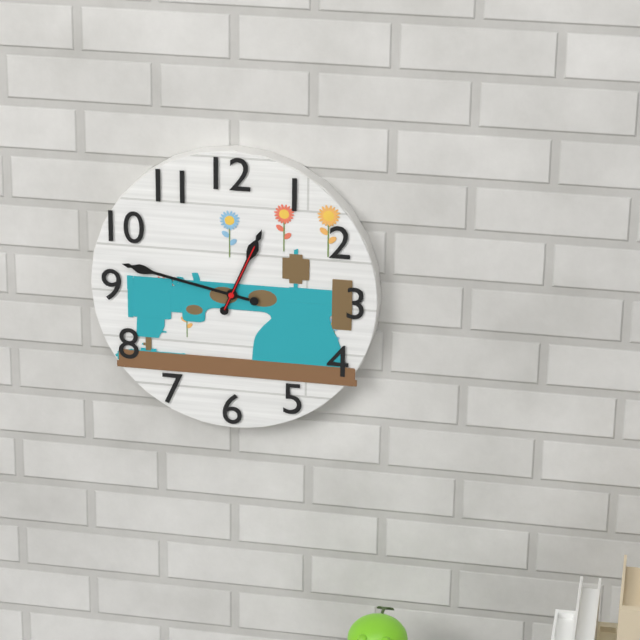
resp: 12,47,04
